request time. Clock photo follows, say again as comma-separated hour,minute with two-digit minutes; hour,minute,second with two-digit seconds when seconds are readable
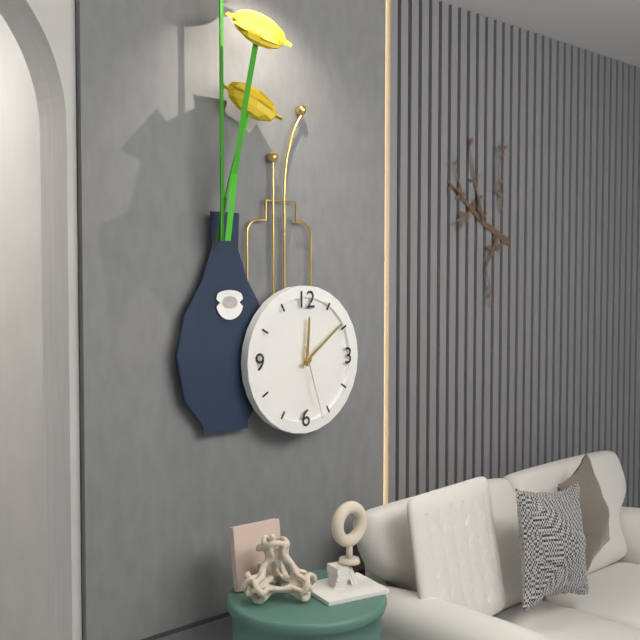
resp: 12,09,27
